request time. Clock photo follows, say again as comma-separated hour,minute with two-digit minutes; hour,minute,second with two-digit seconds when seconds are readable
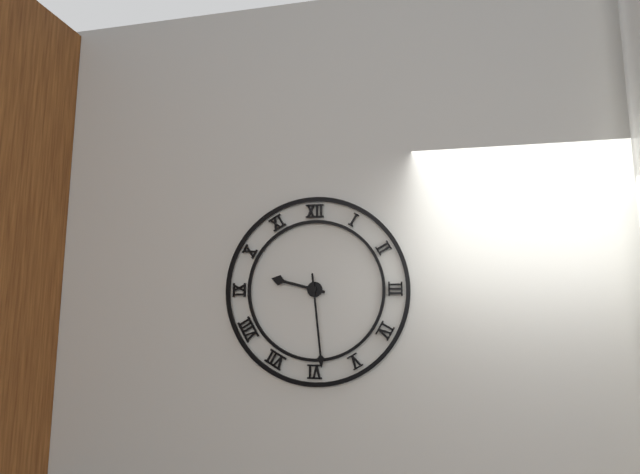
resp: 9,29
